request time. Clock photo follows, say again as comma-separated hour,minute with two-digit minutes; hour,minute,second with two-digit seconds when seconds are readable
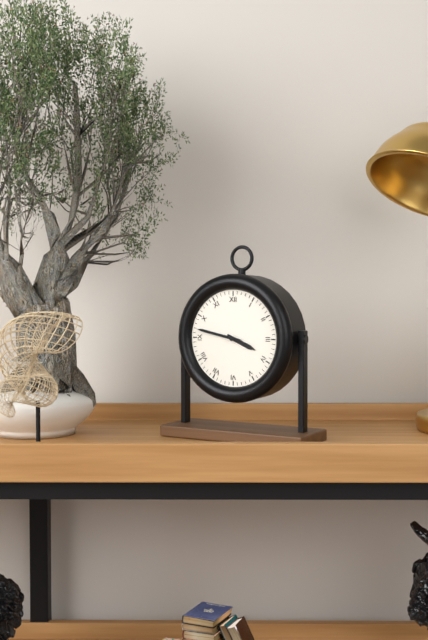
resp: 3,47
